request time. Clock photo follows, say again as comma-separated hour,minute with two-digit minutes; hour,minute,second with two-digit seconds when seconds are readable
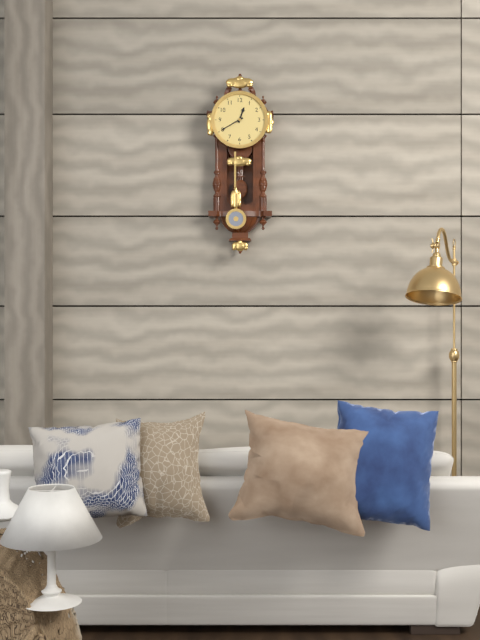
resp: 12,40
